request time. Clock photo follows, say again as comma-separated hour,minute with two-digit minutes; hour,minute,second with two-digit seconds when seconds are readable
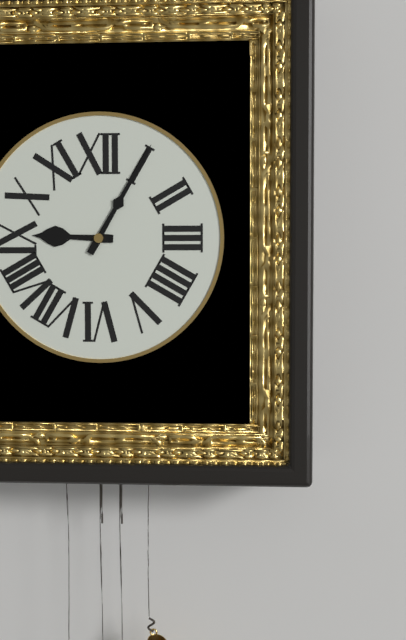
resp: 9,05
